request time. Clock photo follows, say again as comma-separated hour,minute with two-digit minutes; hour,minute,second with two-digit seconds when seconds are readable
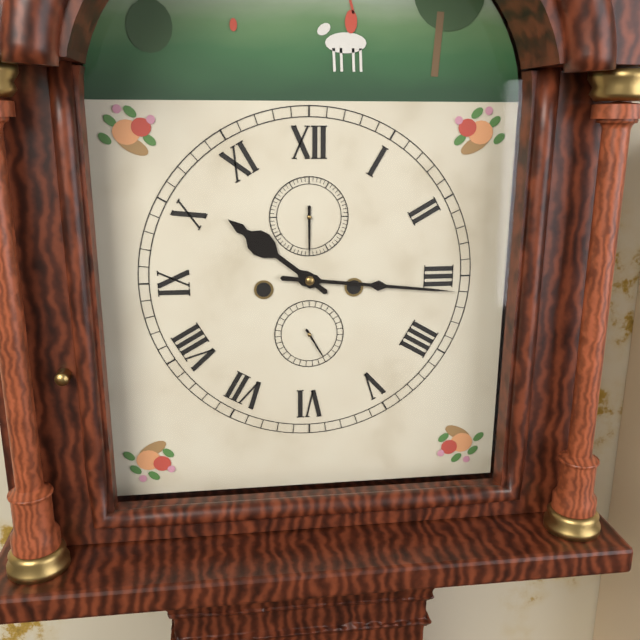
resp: 10,16
